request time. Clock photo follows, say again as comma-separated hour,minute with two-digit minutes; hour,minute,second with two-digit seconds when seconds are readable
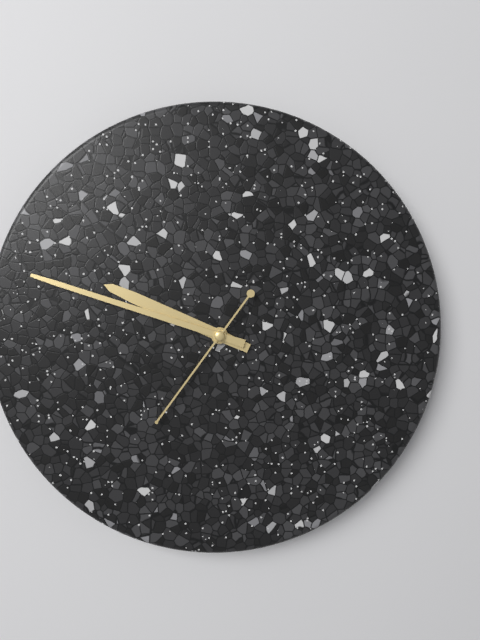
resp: 9,48,36
